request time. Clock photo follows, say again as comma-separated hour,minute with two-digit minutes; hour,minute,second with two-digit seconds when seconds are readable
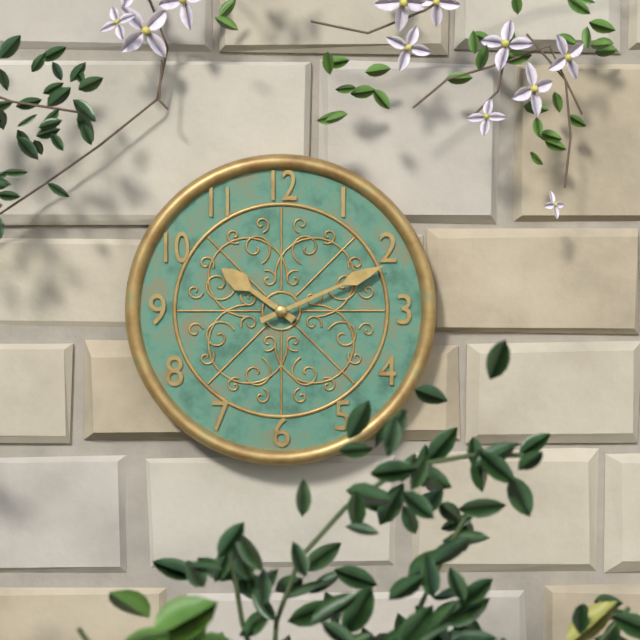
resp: 10,11
